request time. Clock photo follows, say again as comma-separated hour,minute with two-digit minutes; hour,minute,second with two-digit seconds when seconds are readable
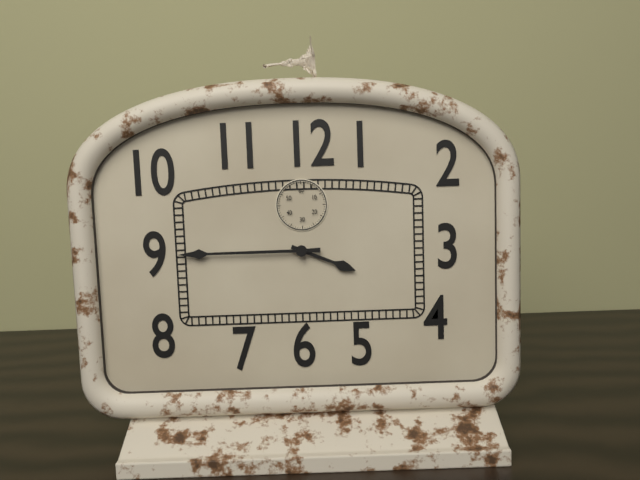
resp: 3,45
